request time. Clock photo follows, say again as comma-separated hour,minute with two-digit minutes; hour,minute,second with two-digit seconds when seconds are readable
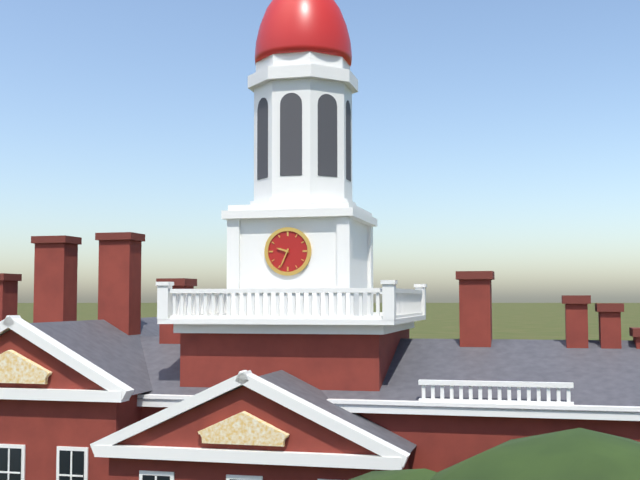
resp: 9,34
